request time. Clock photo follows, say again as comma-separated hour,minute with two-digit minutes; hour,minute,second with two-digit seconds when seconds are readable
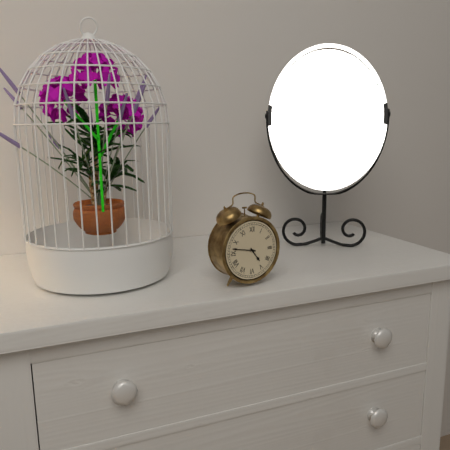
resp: 4,47
